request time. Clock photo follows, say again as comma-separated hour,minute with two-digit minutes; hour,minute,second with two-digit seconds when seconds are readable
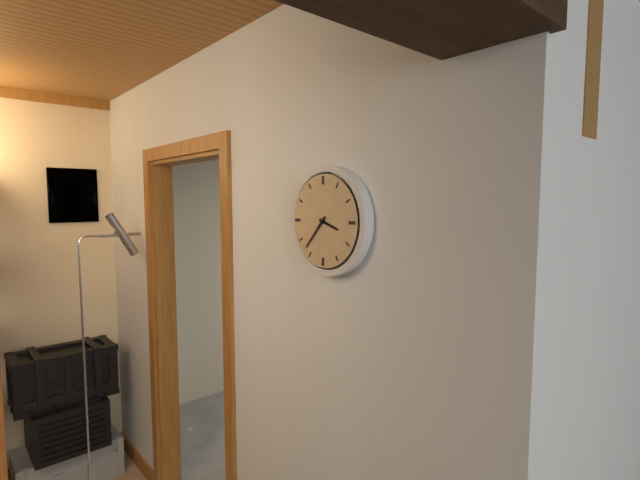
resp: 3,37
